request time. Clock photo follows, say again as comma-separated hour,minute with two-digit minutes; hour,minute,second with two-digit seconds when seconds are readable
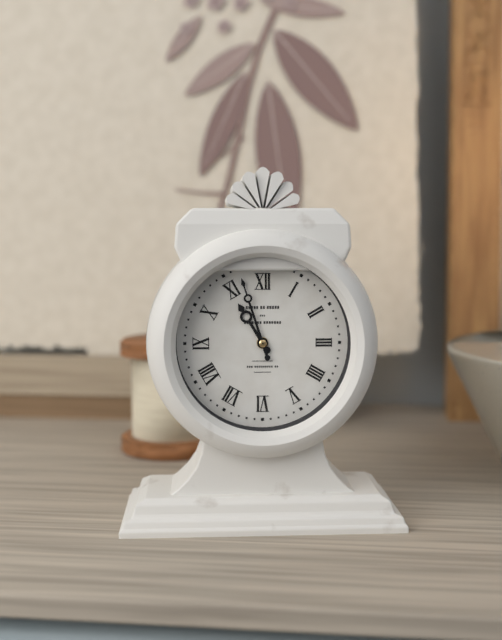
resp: 10,57
